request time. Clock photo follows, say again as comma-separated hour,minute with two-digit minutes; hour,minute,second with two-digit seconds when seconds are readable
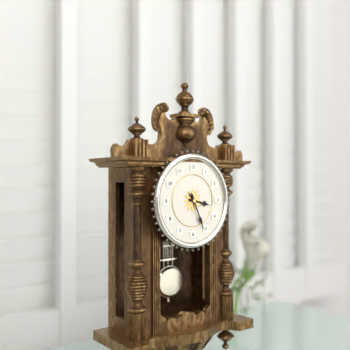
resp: 3,26
